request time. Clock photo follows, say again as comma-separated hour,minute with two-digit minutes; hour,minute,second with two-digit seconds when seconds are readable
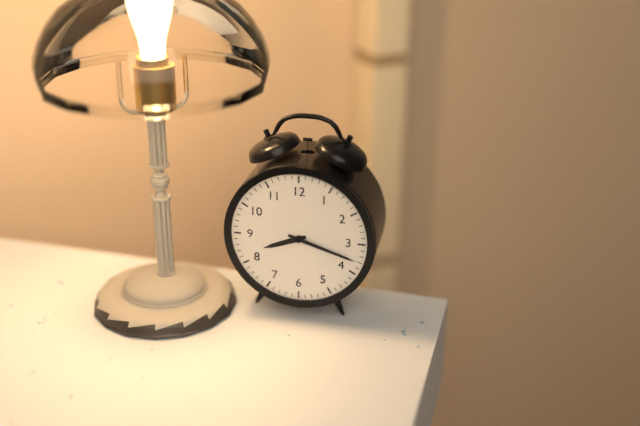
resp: 8,18
